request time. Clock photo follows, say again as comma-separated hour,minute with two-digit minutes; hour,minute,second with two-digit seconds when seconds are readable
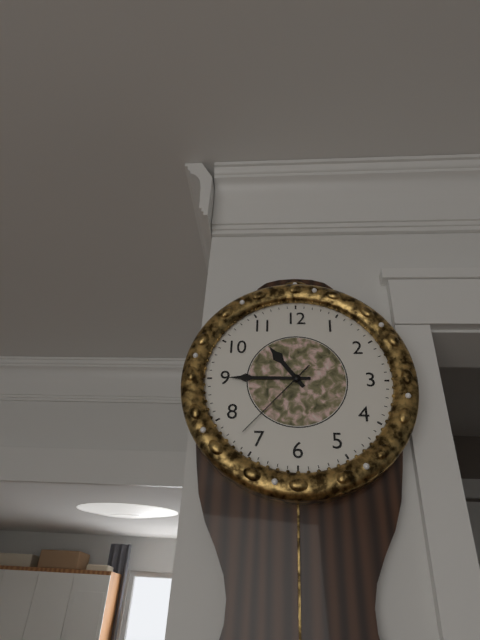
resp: 10,45,37
